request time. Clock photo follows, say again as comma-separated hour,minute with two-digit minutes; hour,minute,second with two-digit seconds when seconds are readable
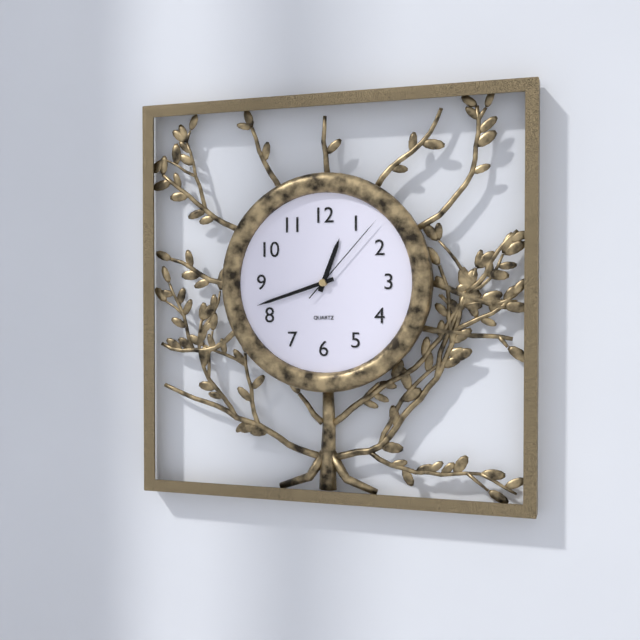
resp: 12,42,07
